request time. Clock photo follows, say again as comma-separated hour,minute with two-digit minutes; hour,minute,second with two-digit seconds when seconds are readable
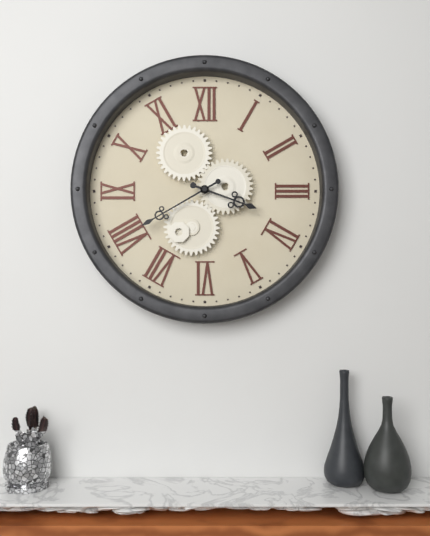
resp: 3,40
